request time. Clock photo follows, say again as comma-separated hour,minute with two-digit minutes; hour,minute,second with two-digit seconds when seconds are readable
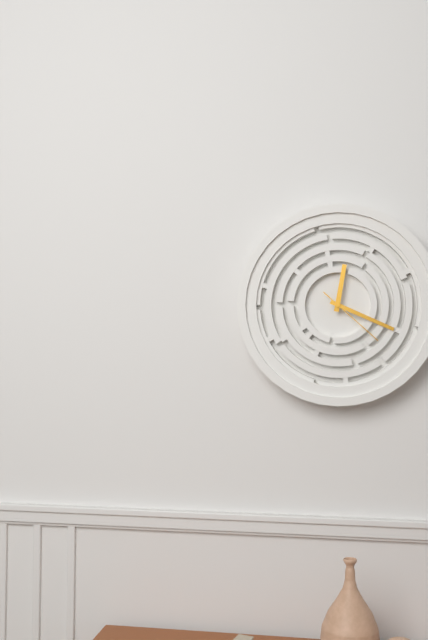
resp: 12,19,22
